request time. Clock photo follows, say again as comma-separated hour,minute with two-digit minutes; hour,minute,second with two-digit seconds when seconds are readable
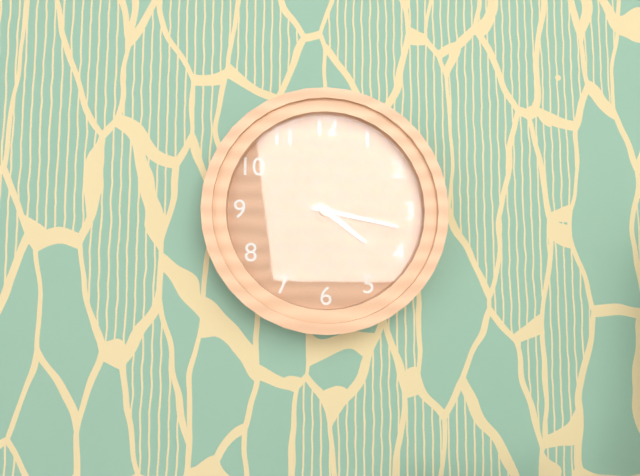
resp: 4,17
